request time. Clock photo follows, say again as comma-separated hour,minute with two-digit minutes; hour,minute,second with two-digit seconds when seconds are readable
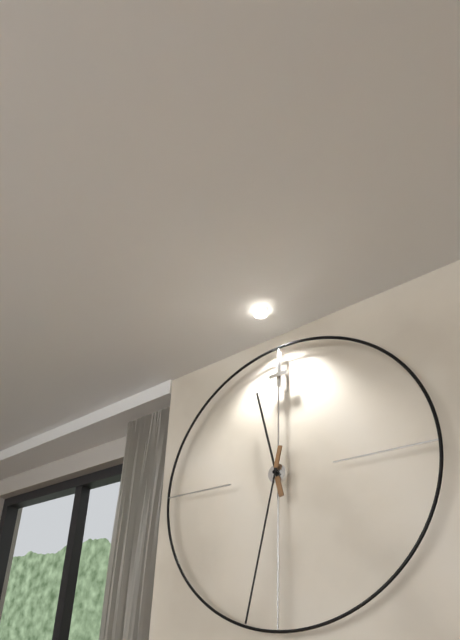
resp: 11,32
